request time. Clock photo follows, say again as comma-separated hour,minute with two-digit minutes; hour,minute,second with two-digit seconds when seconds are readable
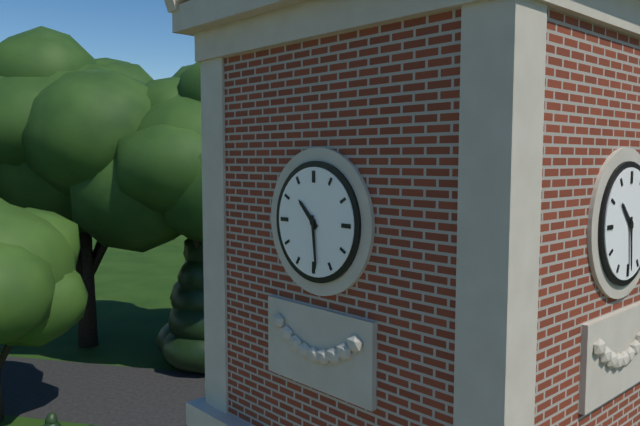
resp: 10,29
